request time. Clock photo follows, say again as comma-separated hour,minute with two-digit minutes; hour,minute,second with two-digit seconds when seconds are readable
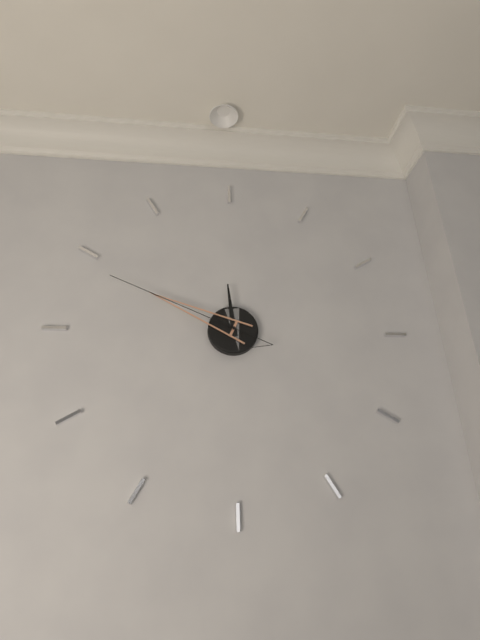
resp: 11,49,49
